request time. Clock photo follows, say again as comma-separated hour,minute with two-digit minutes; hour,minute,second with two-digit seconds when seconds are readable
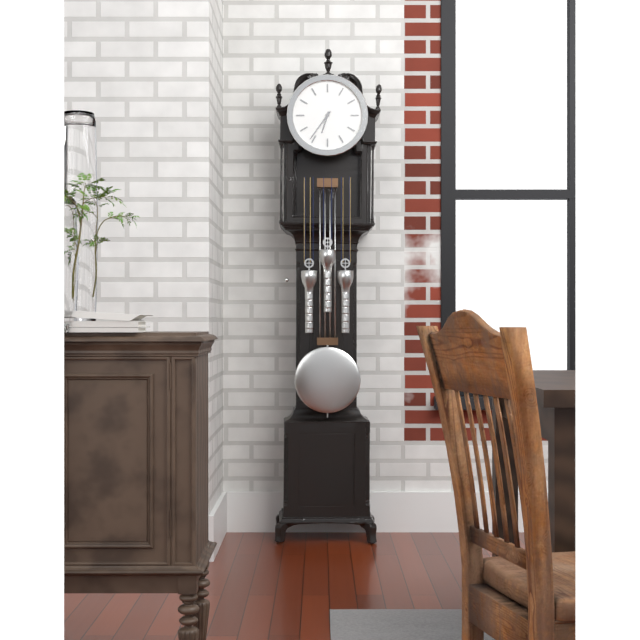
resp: 6,36
